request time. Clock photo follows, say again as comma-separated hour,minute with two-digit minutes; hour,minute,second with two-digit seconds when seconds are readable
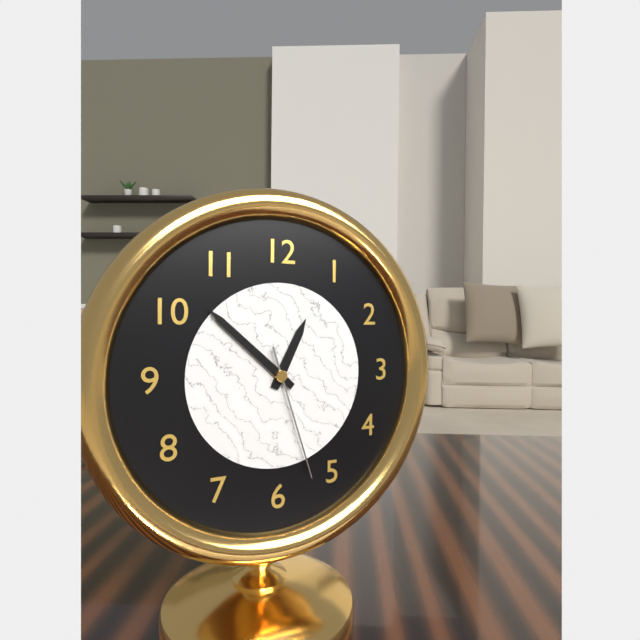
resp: 12,52,27
